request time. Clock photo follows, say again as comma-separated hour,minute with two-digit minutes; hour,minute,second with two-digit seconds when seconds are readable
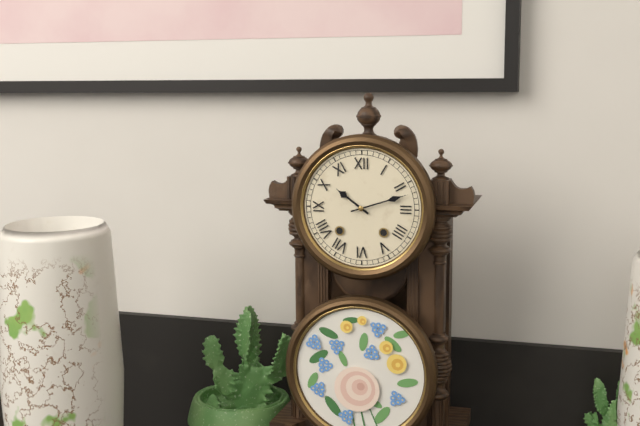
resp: 10,12
